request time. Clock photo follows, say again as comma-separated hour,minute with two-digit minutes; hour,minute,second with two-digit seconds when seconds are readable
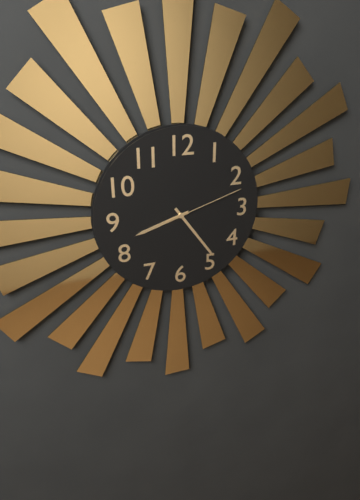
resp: 8,24,12
